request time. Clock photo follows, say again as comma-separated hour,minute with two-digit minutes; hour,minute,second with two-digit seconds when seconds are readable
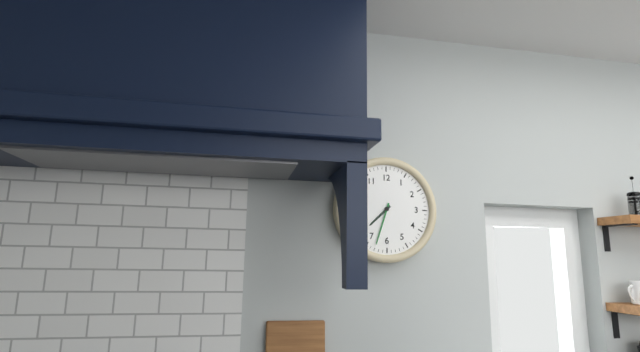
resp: 7,33
